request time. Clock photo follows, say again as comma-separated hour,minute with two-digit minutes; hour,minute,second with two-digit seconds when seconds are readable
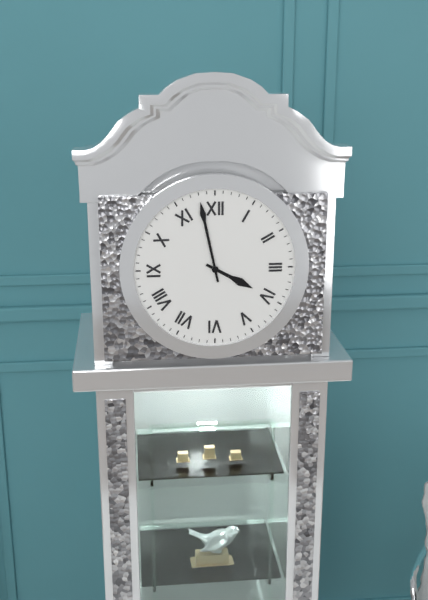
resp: 3,58
